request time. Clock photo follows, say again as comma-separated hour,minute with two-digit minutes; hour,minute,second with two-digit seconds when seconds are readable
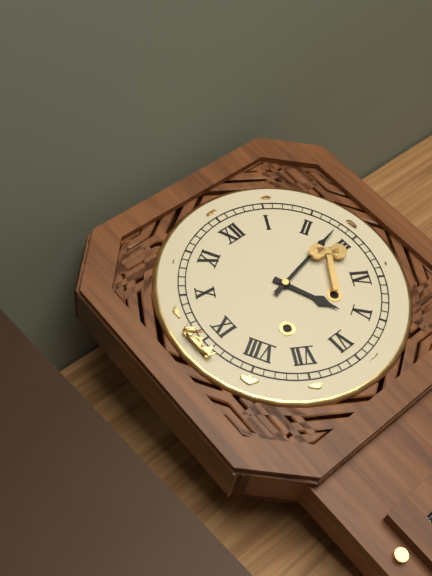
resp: 5,13
